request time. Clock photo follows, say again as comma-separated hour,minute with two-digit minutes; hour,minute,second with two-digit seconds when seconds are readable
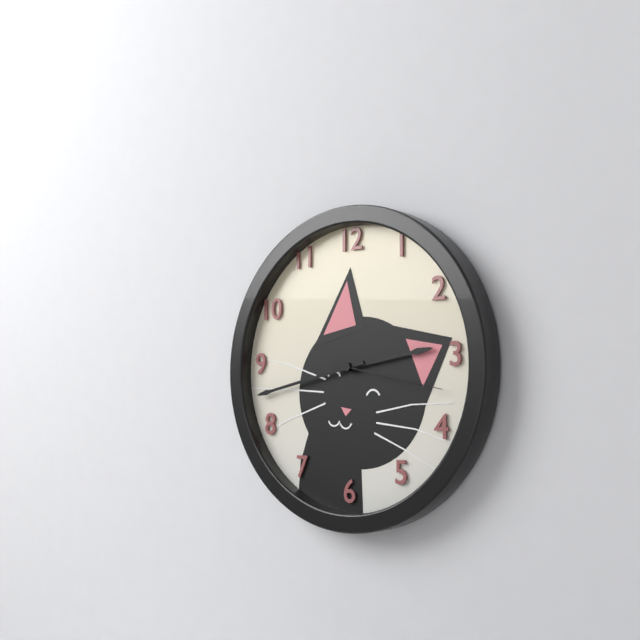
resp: 2,43,17
